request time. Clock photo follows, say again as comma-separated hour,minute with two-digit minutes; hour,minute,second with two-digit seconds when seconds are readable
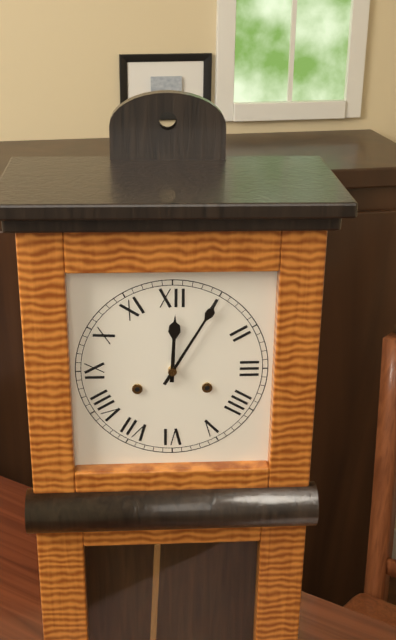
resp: 12,05
